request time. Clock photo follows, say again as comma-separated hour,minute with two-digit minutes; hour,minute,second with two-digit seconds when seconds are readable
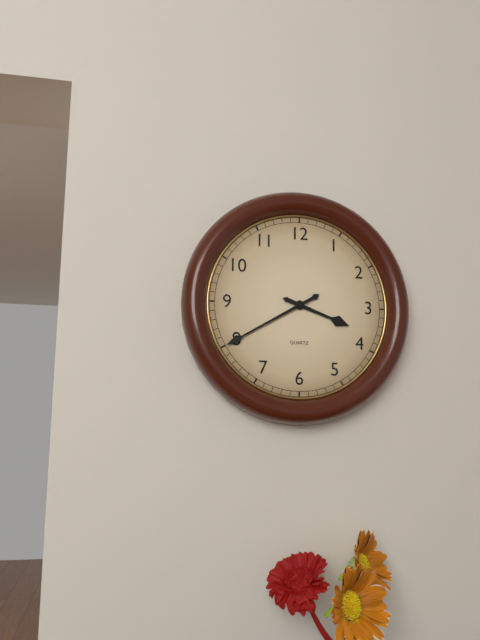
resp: 3,40
